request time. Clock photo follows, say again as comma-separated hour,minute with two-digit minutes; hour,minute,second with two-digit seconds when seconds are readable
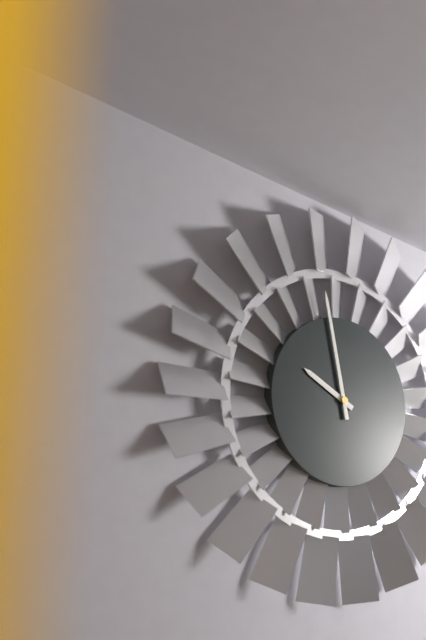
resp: 9,58
